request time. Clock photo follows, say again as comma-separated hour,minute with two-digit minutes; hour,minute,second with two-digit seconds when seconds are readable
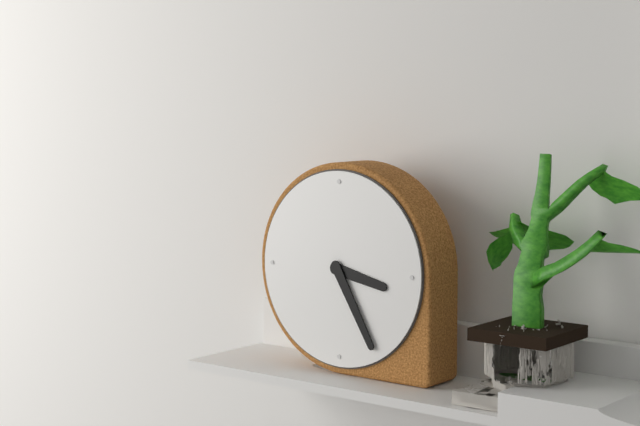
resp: 3,25
